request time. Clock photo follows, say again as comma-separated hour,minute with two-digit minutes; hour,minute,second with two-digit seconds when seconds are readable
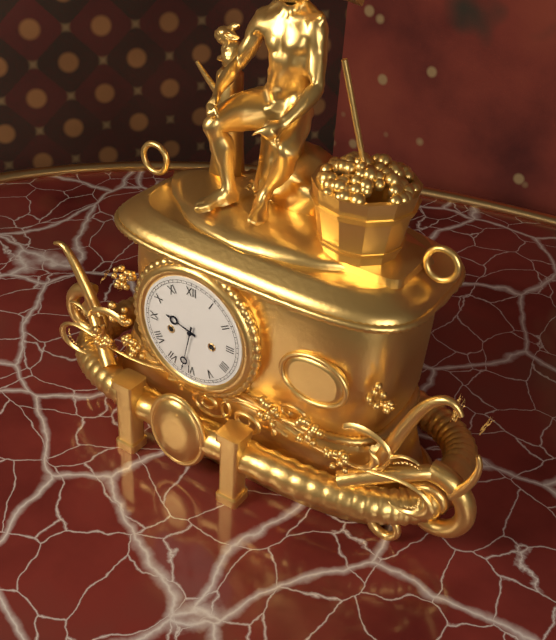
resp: 9,32
